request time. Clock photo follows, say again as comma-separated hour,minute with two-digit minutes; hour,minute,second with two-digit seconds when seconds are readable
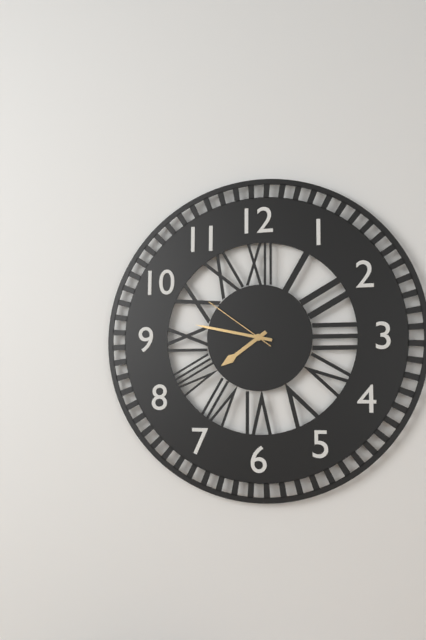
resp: 7,47,51
